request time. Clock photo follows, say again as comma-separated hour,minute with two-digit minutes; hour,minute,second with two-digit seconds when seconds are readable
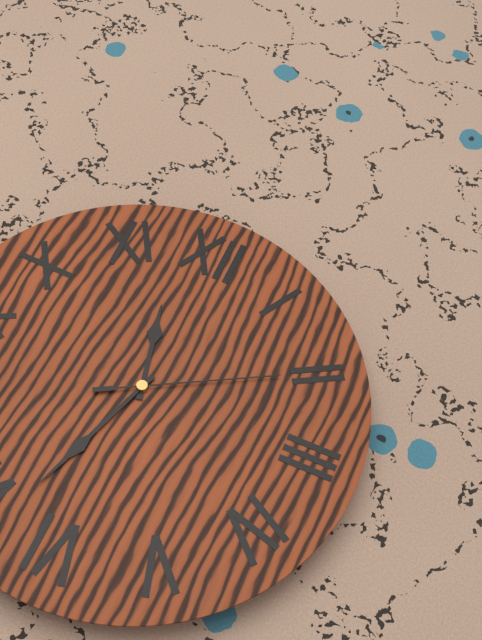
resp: 11,33,10
